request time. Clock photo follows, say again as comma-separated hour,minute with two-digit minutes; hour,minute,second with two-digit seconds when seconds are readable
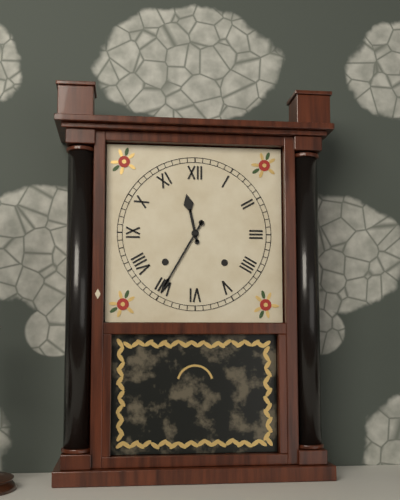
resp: 11,35
